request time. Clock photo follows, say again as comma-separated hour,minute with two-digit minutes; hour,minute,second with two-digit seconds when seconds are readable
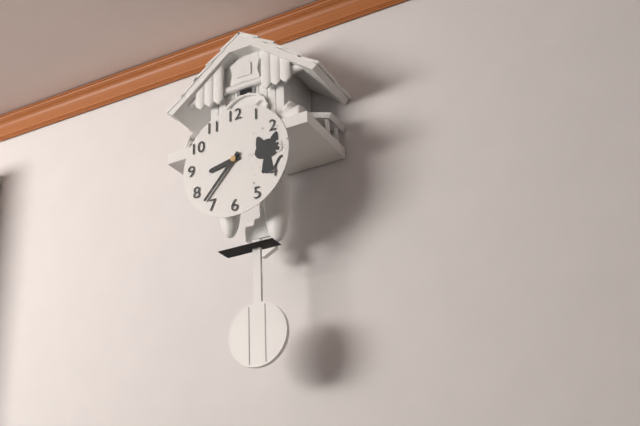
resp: 8,37
